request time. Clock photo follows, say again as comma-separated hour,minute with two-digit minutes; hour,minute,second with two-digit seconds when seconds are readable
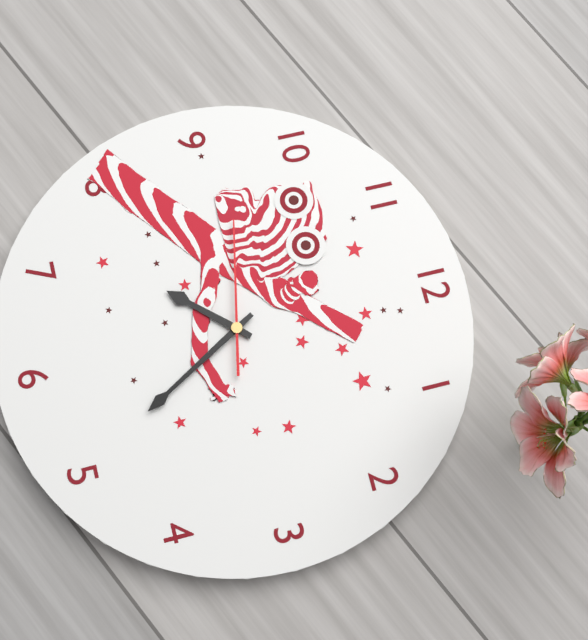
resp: 7,25,47
